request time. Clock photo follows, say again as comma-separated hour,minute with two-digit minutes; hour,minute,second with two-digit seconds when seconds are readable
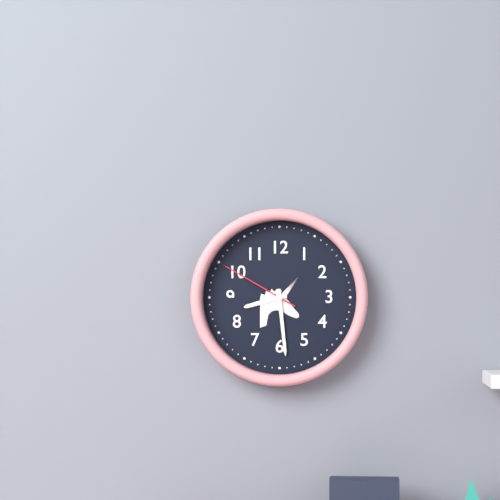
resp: 8,29,50
